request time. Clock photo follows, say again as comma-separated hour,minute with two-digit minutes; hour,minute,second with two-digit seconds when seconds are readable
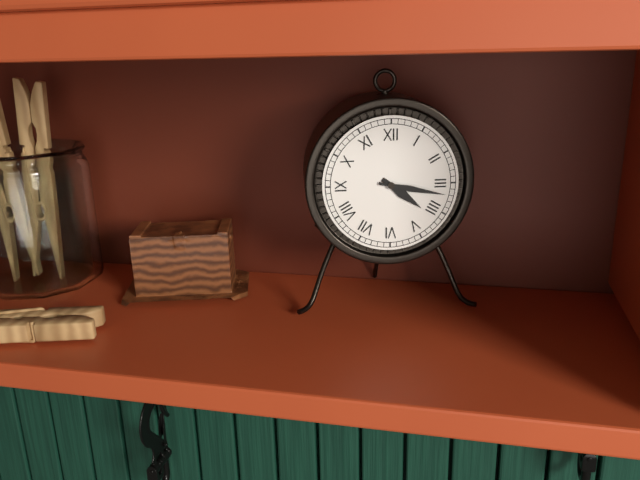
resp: 4,17
